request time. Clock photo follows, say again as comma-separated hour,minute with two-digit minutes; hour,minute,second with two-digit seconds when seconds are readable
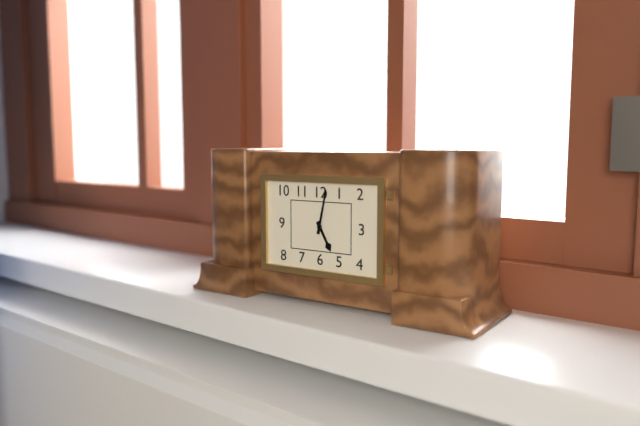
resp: 5,02
